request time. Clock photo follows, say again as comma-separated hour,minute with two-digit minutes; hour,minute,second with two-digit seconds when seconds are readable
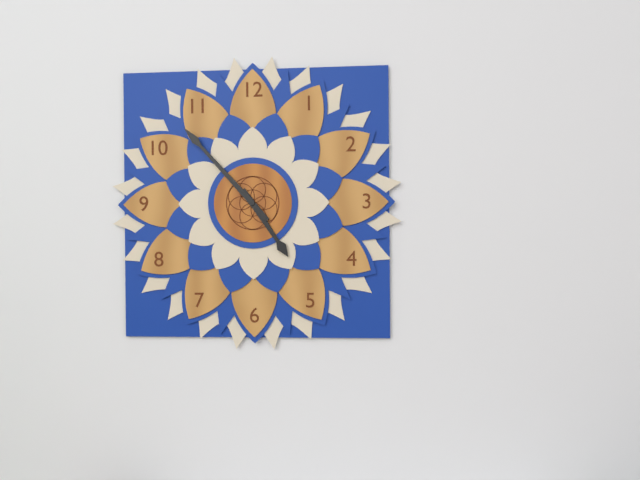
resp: 4,53
